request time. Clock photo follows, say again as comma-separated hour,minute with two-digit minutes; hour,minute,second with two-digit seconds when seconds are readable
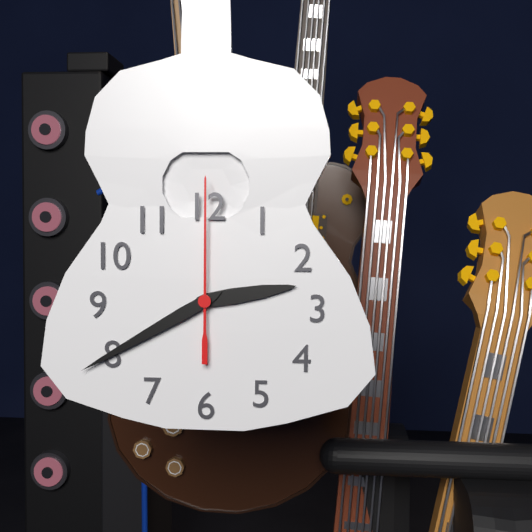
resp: 2,40,00
